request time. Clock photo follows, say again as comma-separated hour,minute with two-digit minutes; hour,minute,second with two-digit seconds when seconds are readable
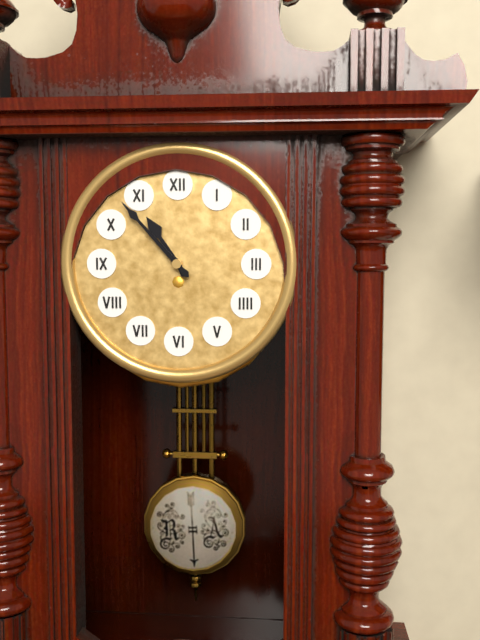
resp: 10,53
